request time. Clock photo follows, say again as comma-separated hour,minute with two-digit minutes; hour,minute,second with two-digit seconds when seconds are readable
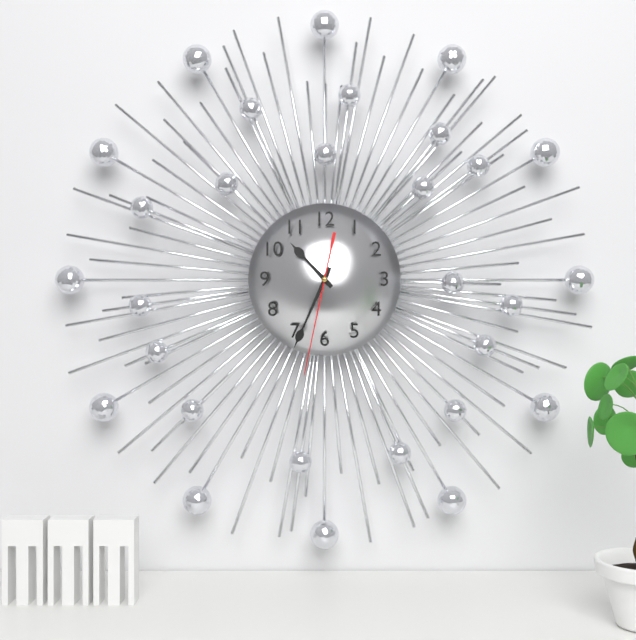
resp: 10,34,32
